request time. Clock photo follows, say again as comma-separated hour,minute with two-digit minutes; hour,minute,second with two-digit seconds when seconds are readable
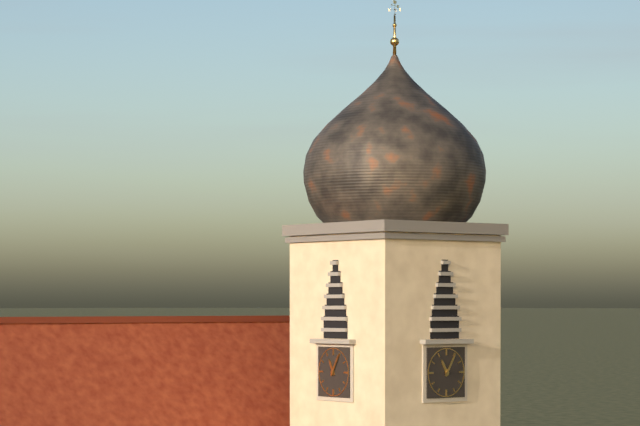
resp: 11,05
